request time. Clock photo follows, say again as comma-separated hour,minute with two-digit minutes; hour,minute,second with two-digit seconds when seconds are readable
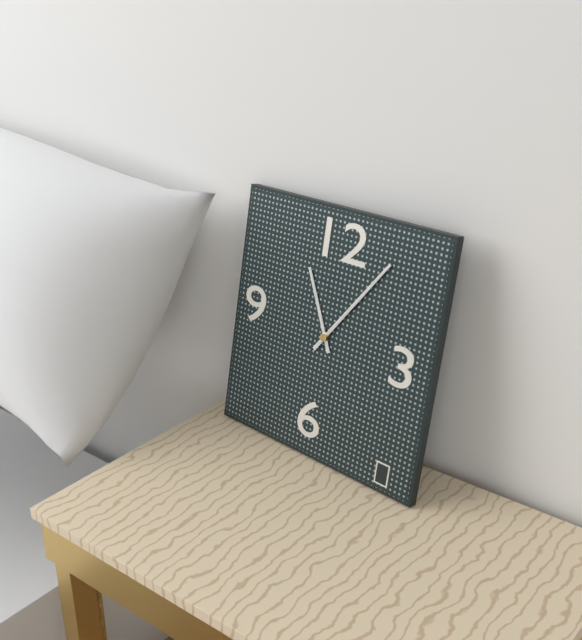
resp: 11,06
